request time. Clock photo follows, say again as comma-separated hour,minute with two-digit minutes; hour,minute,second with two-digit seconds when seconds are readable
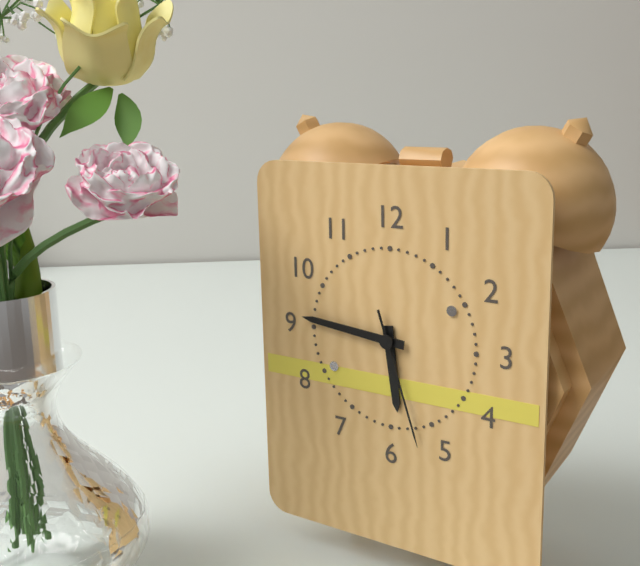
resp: 5,46,27
